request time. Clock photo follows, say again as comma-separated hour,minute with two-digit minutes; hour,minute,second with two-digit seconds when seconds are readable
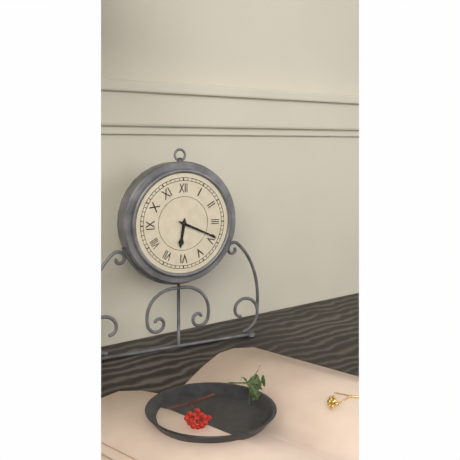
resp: 6,19
